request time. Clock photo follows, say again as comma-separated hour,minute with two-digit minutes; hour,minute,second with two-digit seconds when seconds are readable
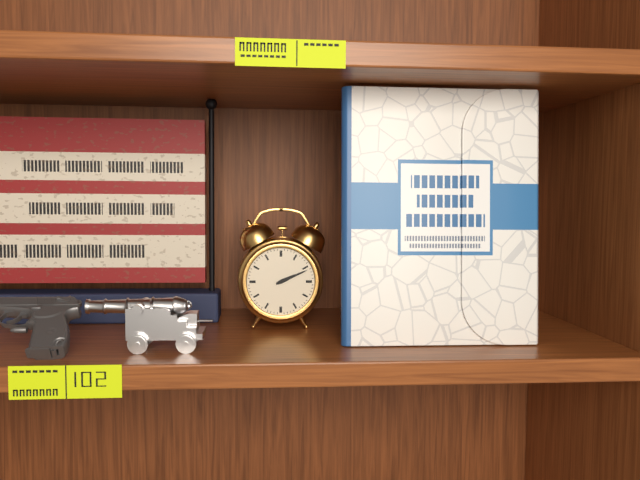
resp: 2,11
